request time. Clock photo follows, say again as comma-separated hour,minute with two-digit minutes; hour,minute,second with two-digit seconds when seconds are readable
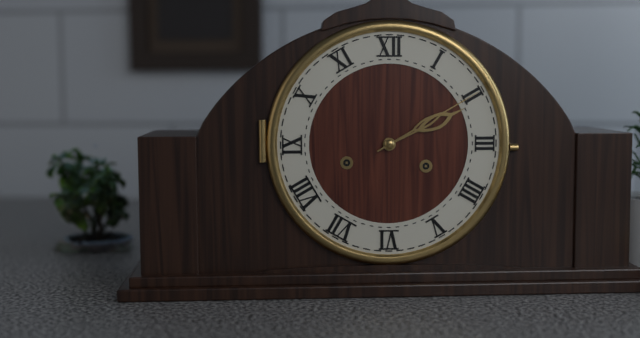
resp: 2,10
